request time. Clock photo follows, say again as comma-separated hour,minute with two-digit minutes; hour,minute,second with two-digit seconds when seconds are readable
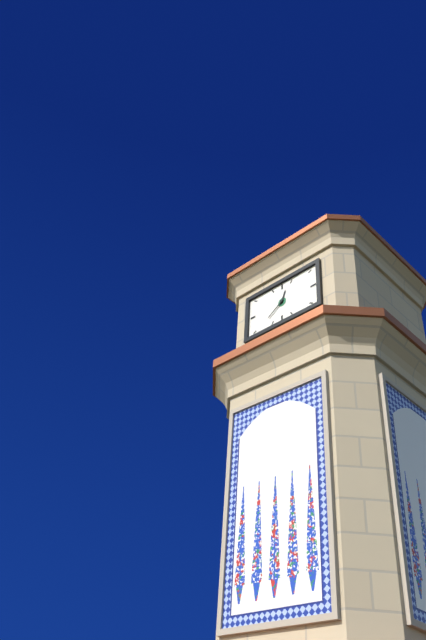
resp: 12,39
